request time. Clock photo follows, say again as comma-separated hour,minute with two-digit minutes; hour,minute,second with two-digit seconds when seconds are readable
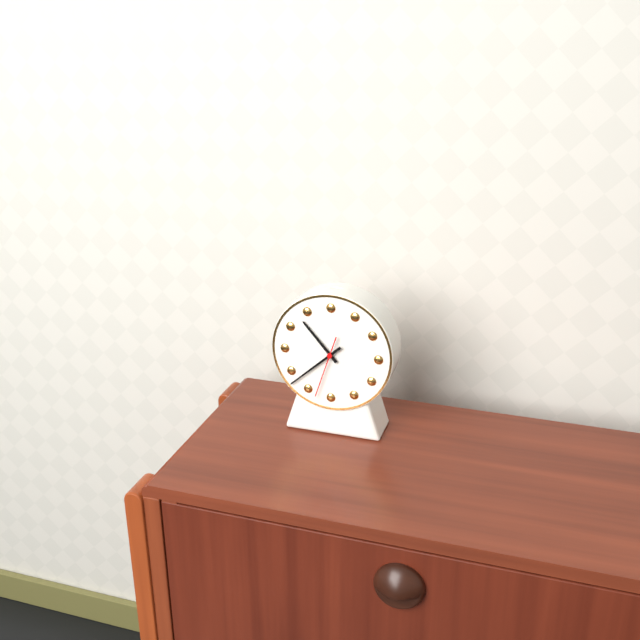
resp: 10,38,33
